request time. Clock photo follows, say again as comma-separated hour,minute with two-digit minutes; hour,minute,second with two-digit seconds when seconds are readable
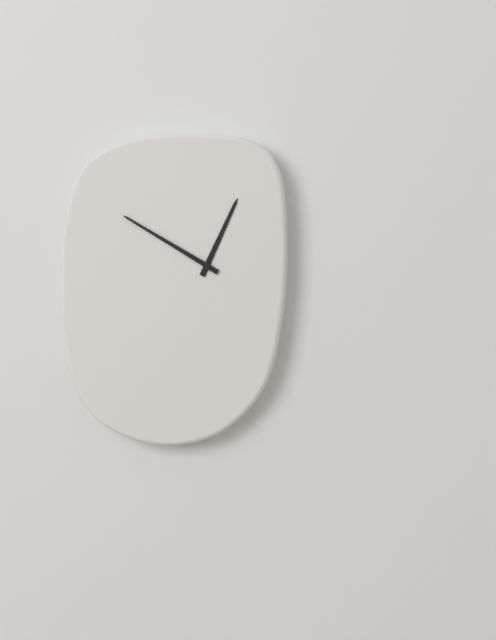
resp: 12,50
